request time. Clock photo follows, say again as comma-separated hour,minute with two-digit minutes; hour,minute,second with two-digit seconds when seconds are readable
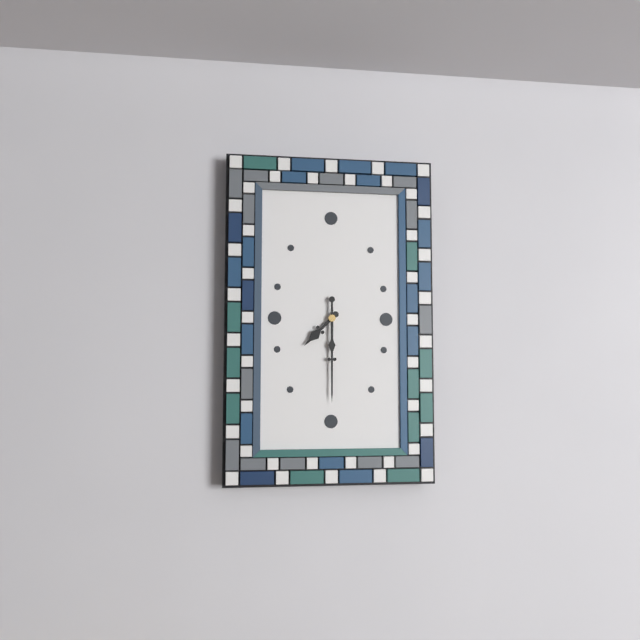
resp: 7,30
